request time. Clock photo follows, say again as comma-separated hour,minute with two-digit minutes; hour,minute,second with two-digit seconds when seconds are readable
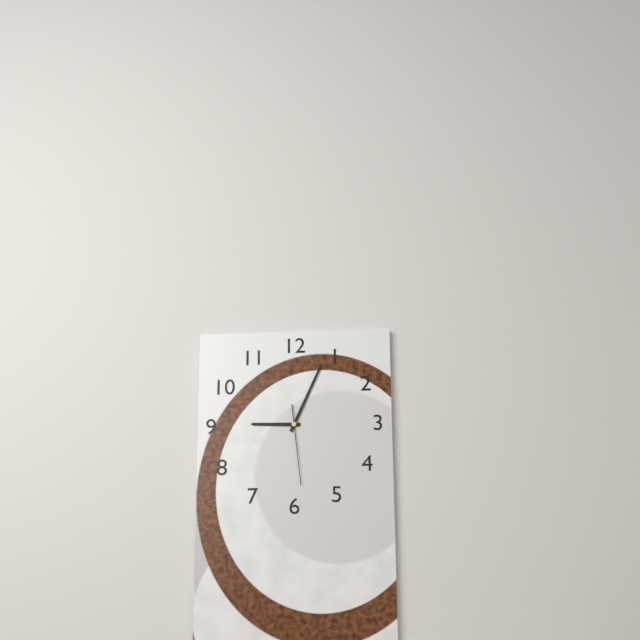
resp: 9,04,29
